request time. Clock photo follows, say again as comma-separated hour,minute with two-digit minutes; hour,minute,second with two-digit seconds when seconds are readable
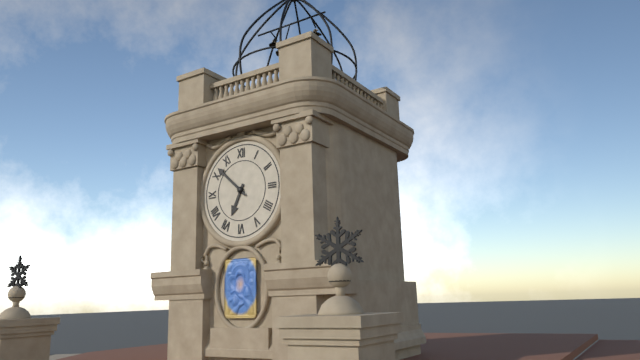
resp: 6,52
